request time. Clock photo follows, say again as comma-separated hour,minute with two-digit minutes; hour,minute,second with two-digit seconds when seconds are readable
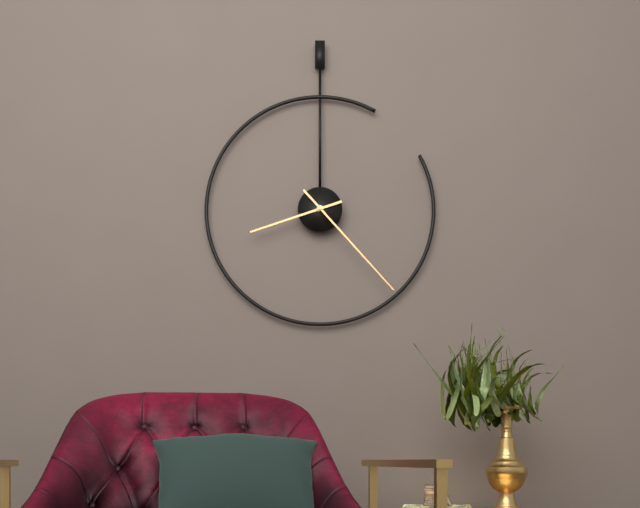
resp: 8,23
